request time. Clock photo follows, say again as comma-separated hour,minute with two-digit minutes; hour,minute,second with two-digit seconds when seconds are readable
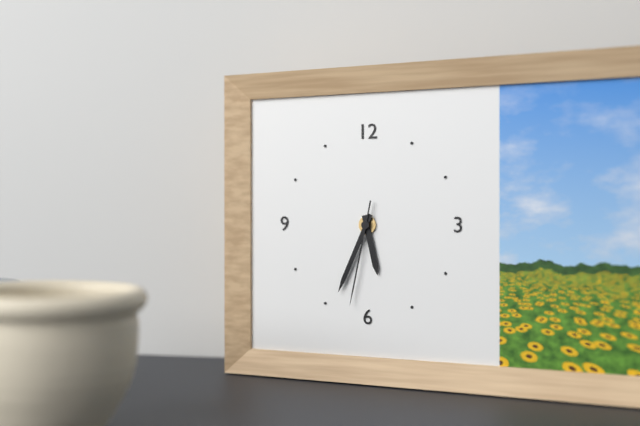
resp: 5,34,32
